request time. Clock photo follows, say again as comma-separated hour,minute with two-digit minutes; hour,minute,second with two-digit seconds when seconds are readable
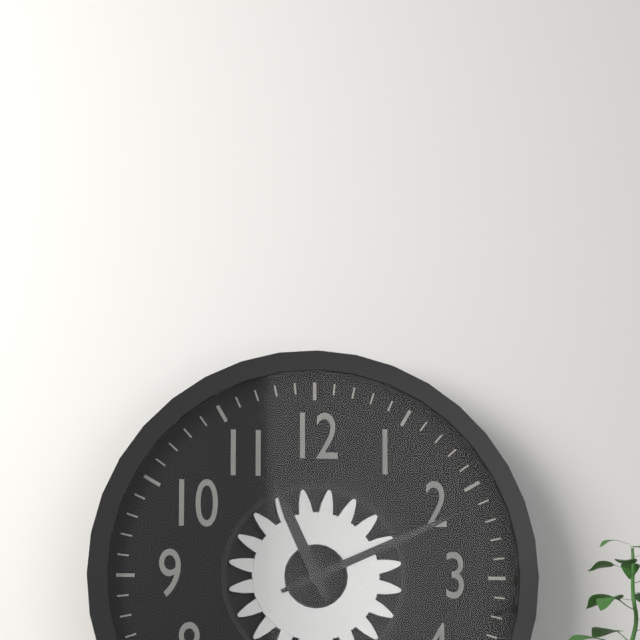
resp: 11,11
